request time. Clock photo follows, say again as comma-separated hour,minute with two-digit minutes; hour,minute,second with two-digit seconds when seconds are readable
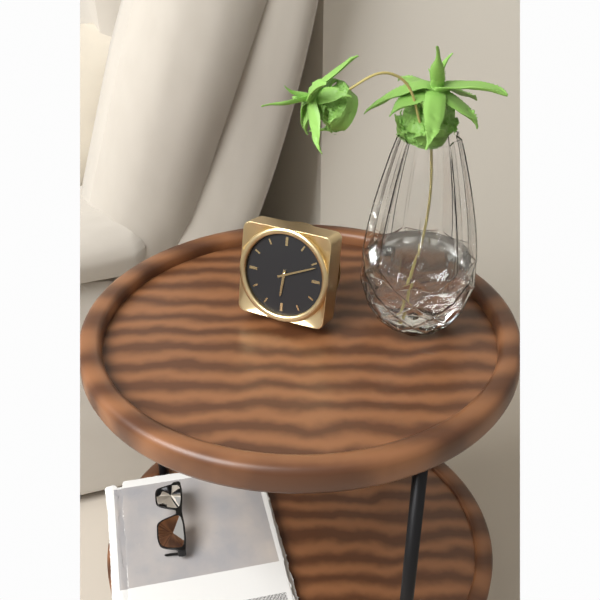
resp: 6,11
